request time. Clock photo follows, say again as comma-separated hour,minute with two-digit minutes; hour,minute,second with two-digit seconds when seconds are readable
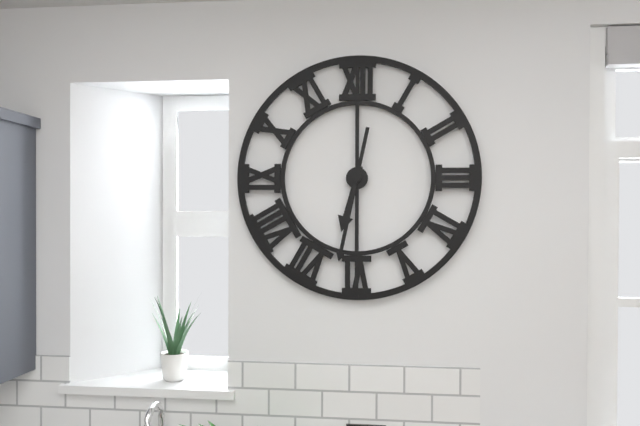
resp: 6,32
